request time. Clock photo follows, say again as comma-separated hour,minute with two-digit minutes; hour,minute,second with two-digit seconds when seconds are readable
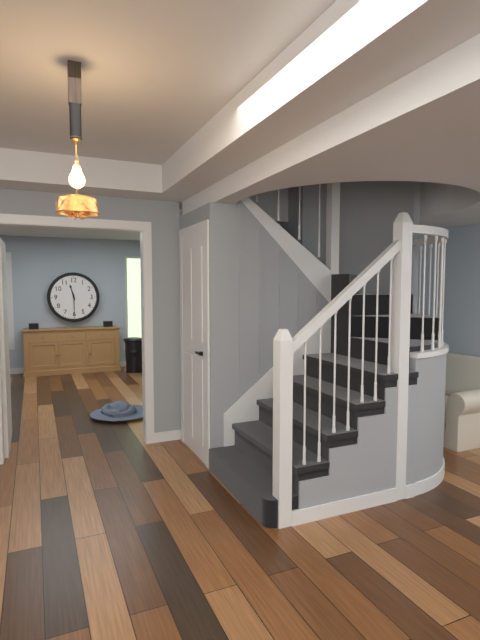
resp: 11,30
